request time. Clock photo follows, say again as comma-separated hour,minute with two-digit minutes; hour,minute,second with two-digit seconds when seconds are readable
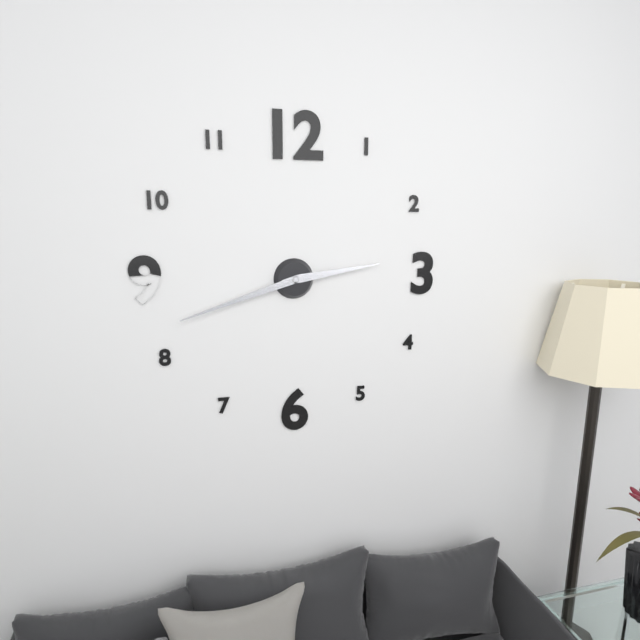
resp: 2,42
